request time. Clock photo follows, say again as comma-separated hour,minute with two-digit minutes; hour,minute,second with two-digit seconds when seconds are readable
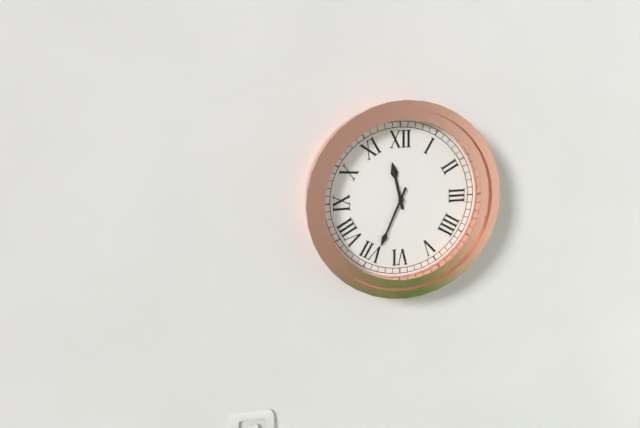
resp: 11,34
